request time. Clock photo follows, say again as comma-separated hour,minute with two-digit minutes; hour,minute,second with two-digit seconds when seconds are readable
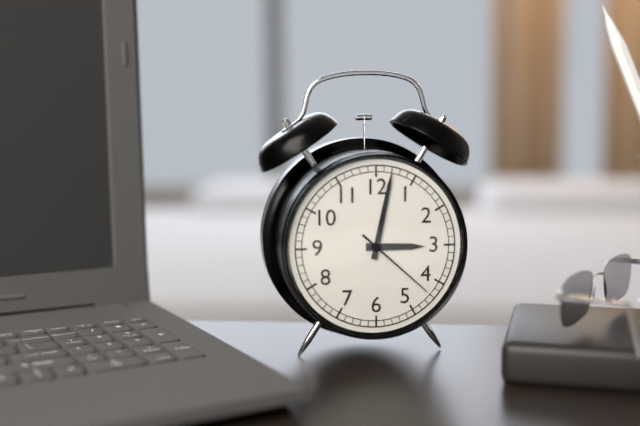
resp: 3,02,22
